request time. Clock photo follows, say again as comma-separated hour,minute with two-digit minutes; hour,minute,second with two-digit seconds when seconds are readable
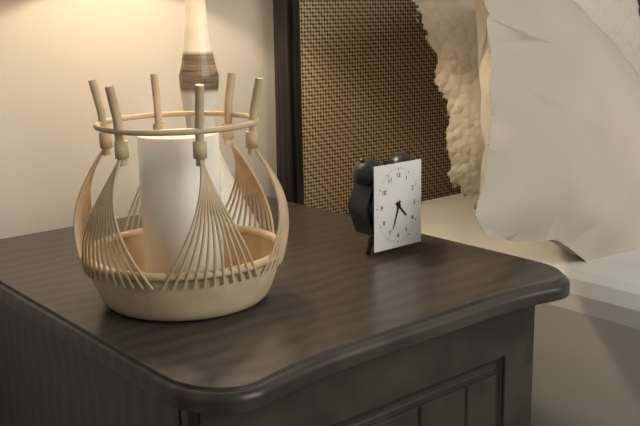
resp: 4,33
